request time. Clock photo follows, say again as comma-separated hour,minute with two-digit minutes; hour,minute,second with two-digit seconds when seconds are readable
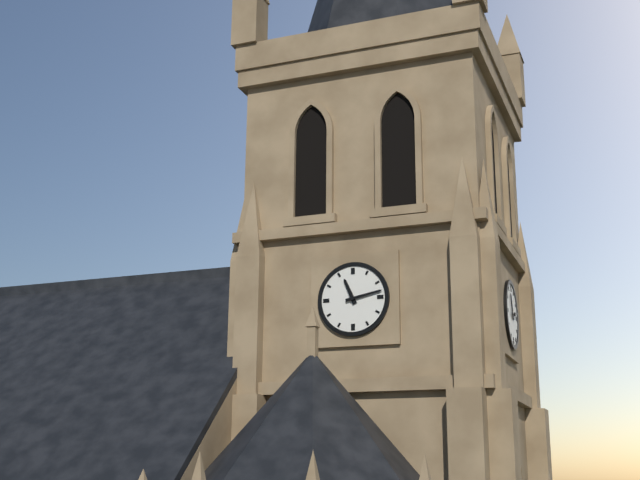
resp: 11,13
